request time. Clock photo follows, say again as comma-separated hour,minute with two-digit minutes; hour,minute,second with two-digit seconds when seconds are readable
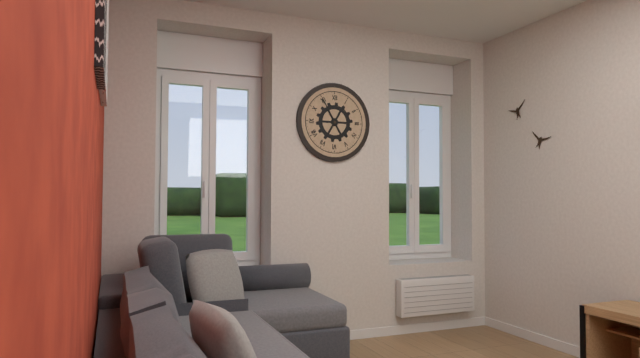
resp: 12,55
